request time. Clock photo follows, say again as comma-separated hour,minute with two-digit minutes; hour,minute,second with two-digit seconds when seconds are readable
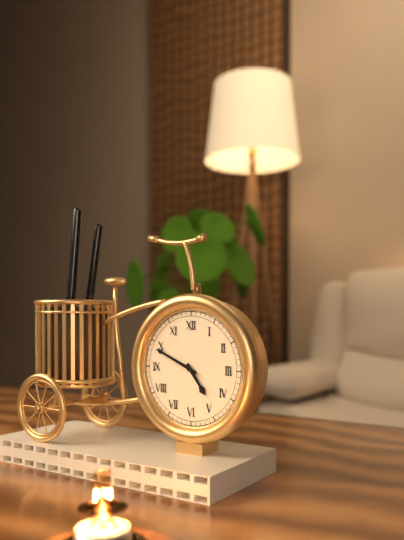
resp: 4,49
